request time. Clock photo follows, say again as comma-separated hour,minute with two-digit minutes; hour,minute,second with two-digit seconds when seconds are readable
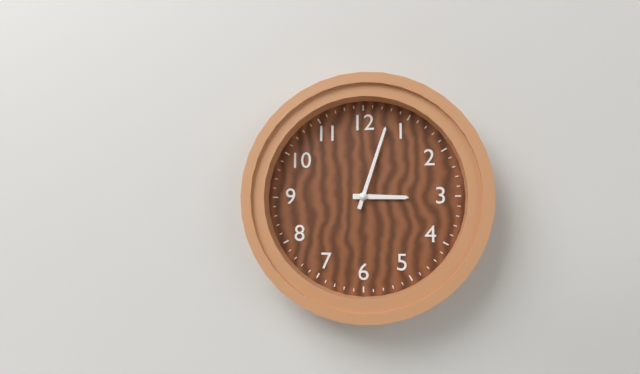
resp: 3,03
